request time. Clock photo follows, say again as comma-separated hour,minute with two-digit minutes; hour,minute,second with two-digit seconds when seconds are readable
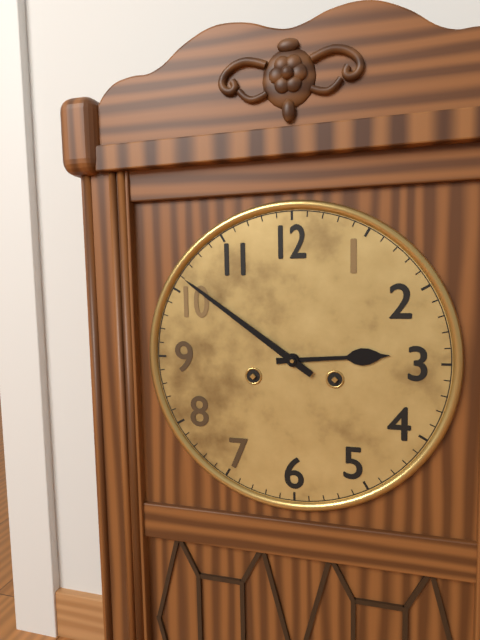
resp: 2,51
